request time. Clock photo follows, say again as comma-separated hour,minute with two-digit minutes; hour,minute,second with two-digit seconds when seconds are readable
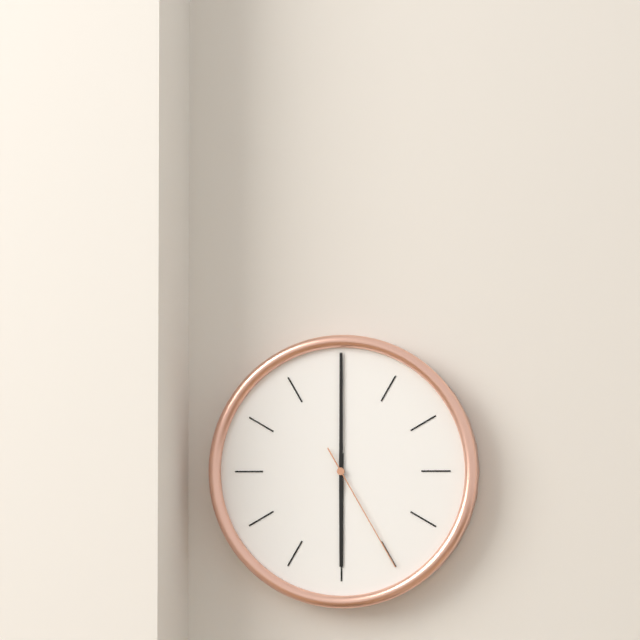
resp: 6,00,25
